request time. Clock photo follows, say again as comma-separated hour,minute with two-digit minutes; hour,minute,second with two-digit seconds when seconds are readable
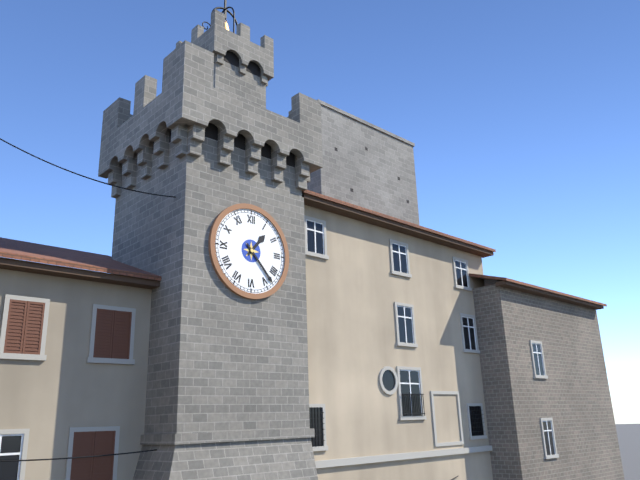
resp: 1,23
